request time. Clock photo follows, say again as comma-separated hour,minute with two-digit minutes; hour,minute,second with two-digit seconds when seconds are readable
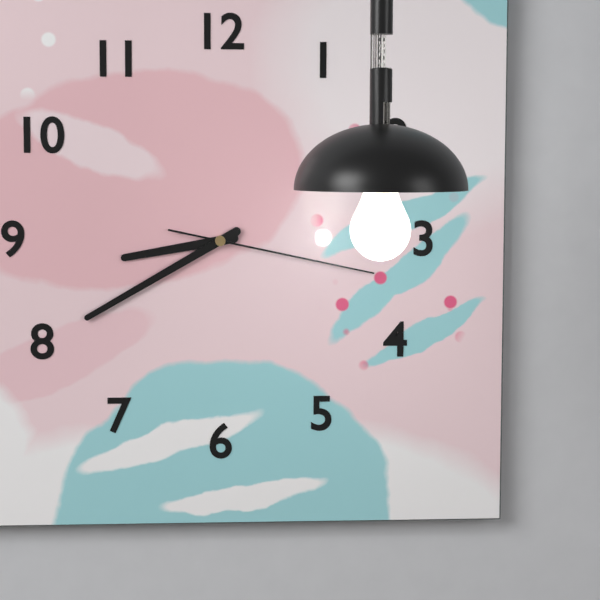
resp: 8,40,17
